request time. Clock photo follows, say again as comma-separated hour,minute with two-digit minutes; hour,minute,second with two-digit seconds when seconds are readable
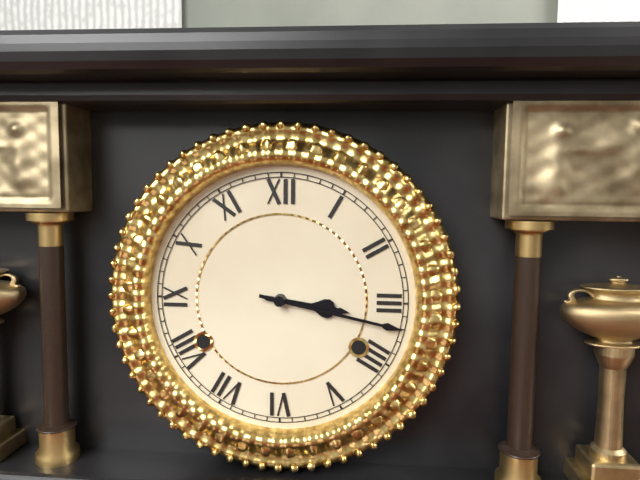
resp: 3,17
